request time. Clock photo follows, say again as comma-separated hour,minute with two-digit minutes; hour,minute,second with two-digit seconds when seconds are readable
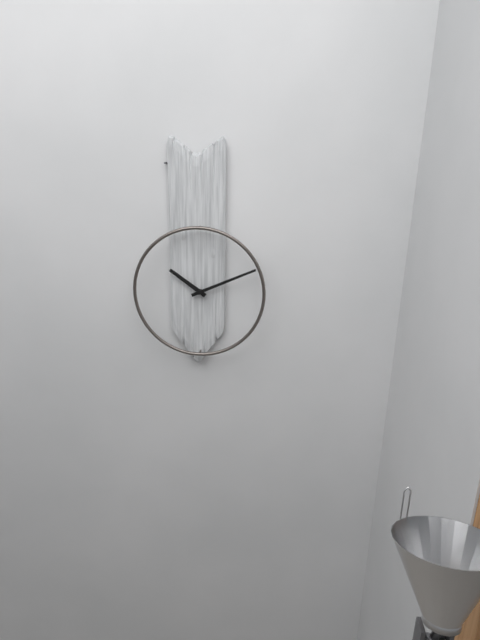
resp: 10,11
